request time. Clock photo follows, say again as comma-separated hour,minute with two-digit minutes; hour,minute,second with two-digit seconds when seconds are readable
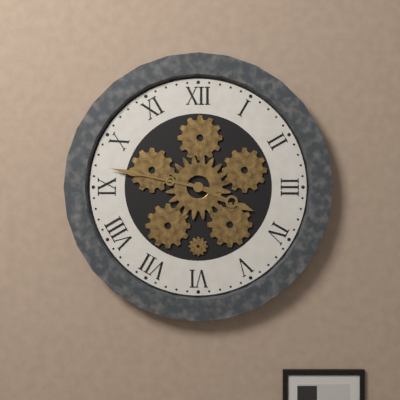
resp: 3,47
